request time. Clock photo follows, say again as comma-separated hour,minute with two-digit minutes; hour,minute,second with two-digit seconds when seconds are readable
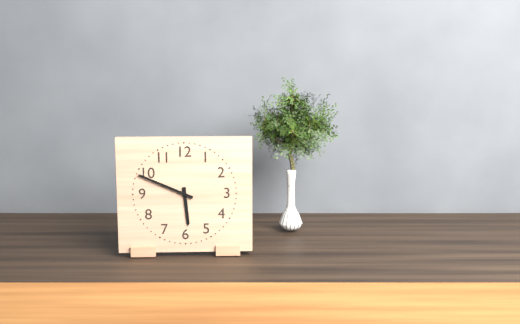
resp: 5,49
